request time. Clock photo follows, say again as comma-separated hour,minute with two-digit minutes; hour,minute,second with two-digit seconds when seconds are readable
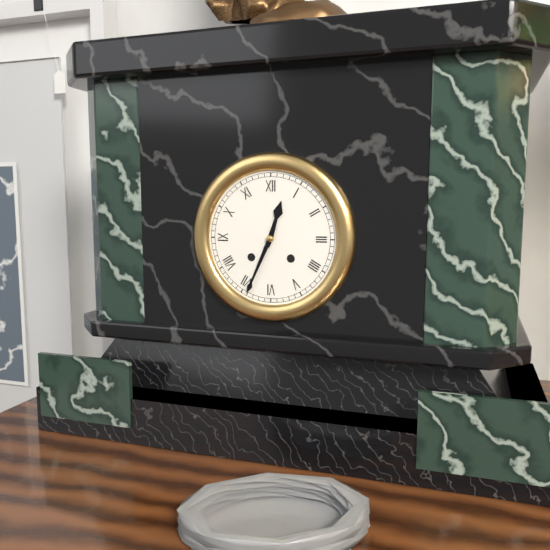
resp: 12,34
